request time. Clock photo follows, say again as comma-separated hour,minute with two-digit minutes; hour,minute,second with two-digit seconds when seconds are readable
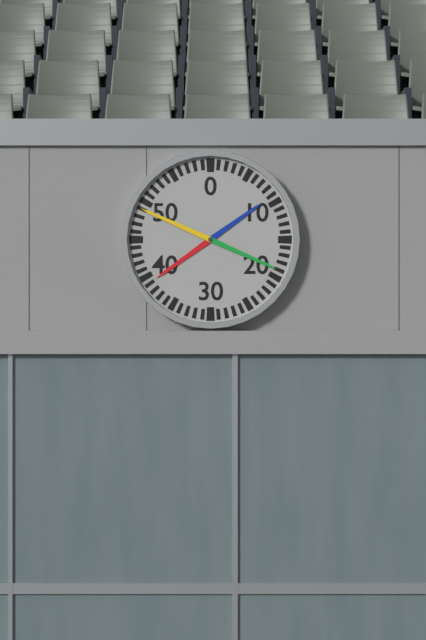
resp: 7,49
